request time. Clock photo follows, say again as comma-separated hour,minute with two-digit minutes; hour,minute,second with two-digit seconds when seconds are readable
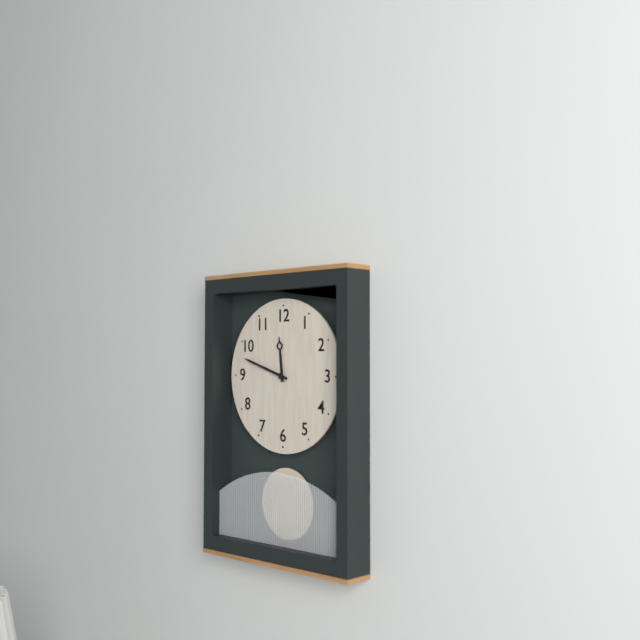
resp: 11,48
